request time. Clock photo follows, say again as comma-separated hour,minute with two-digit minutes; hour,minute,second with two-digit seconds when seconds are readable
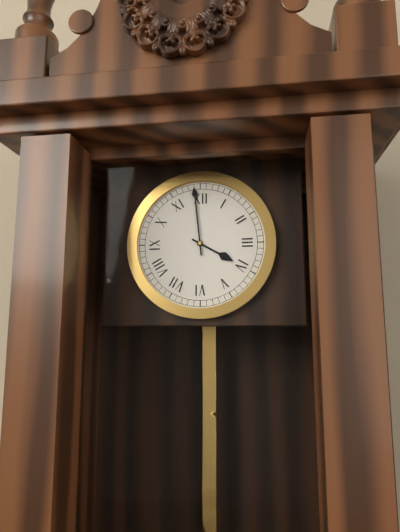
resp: 3,59
